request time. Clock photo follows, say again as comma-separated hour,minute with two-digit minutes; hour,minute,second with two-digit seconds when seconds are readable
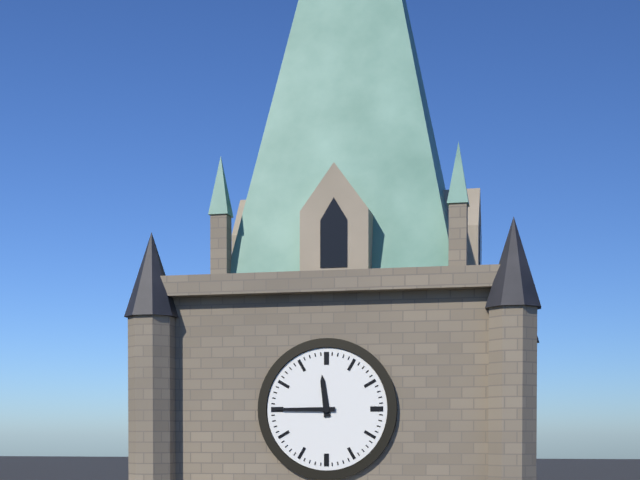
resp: 11,45
